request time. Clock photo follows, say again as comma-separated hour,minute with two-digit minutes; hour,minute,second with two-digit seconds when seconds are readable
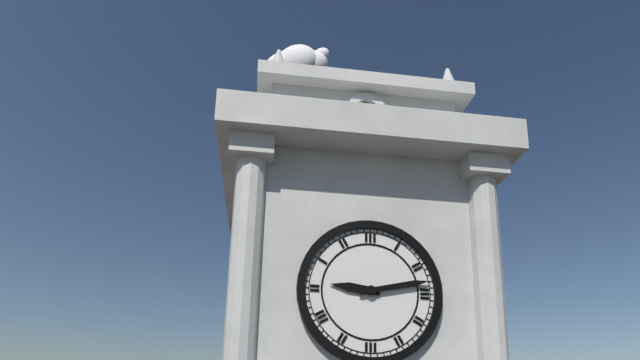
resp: 9,13
